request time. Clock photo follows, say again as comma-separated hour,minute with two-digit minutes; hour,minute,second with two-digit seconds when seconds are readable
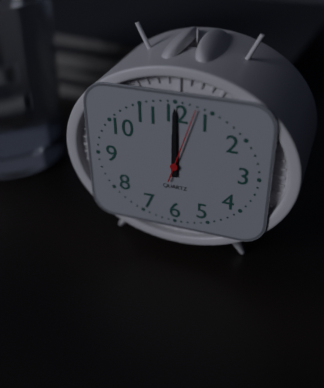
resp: 12,00,03
